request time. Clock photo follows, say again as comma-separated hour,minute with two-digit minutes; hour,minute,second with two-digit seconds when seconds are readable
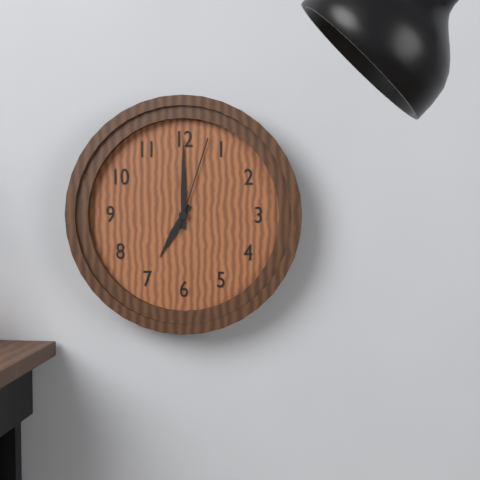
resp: 7,00,03
